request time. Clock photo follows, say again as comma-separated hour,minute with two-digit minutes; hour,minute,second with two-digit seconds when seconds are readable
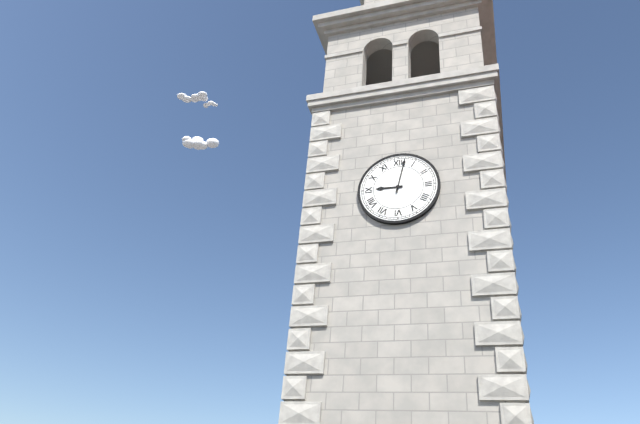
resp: 9,02
